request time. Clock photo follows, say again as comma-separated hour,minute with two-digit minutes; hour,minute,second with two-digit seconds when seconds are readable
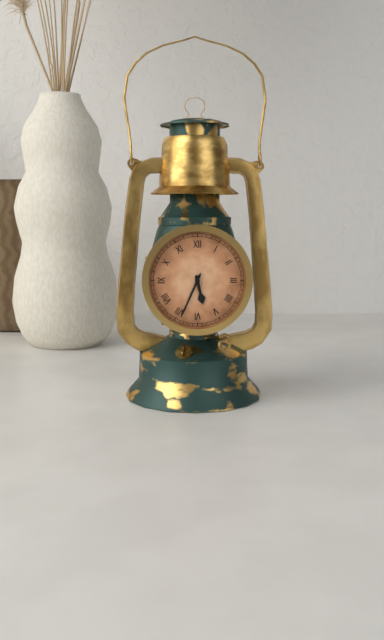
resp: 5,34
